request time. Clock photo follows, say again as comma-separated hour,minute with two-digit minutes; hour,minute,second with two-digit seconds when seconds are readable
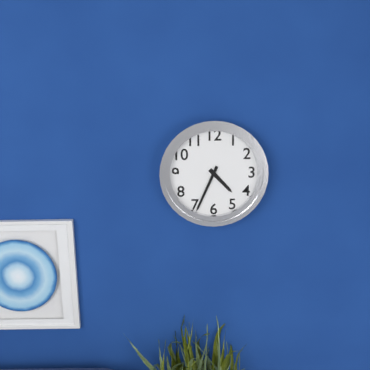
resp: 4,34
